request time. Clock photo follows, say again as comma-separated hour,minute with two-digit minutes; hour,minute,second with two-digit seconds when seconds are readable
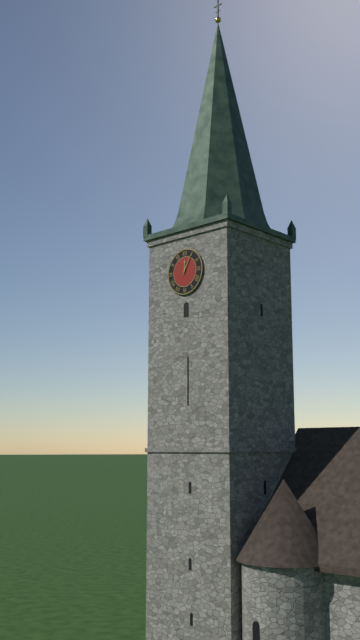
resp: 12,05
